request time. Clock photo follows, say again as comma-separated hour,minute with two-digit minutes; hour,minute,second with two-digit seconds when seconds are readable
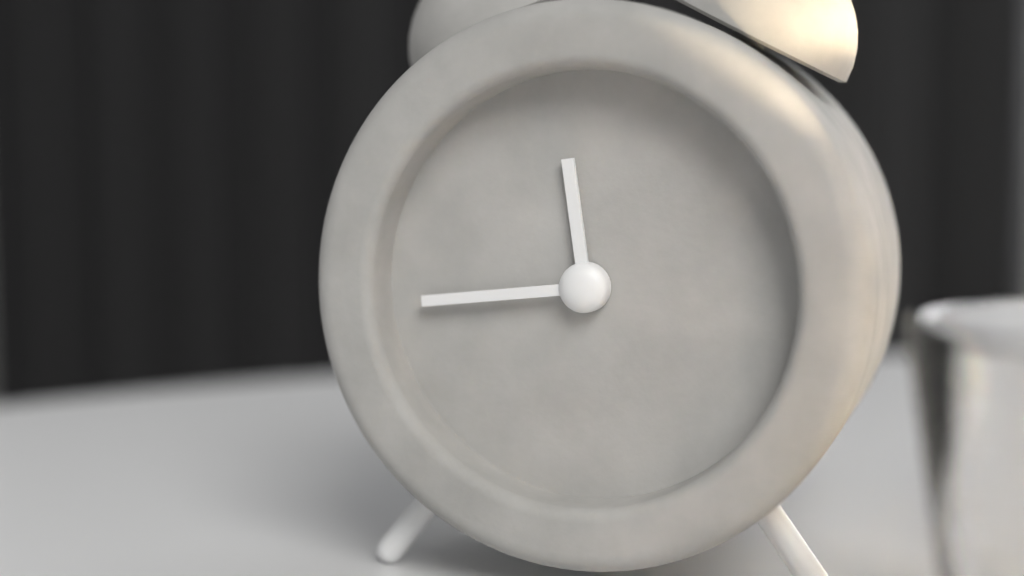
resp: 11,44
